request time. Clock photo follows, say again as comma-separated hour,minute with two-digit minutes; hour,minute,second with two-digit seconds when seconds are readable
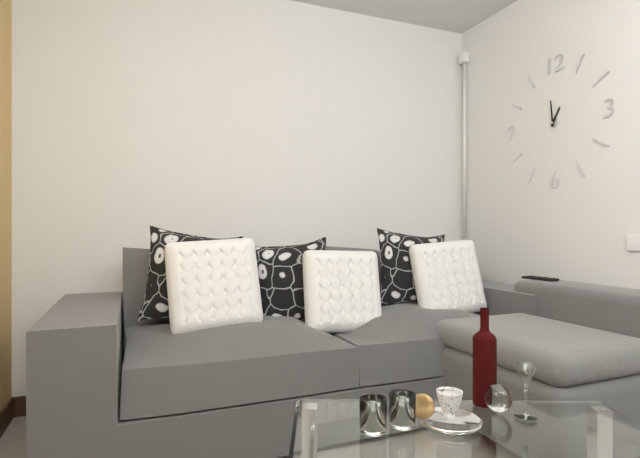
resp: 12,59
